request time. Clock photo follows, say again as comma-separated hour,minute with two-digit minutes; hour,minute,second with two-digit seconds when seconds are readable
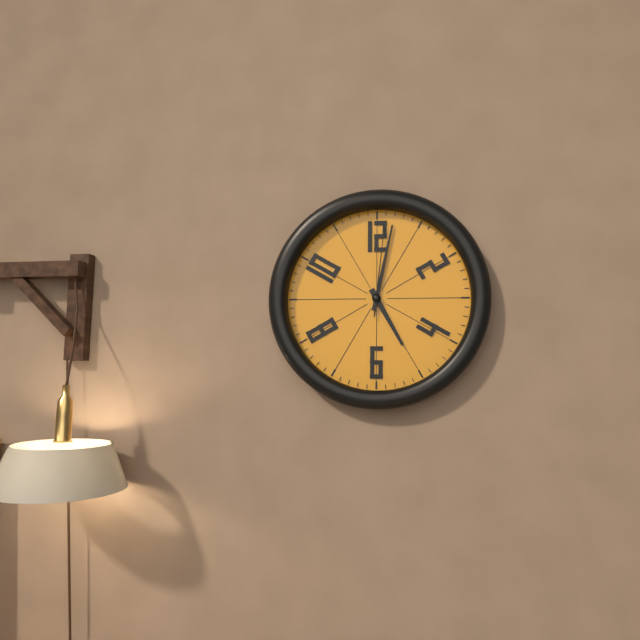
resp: 5,02,01
